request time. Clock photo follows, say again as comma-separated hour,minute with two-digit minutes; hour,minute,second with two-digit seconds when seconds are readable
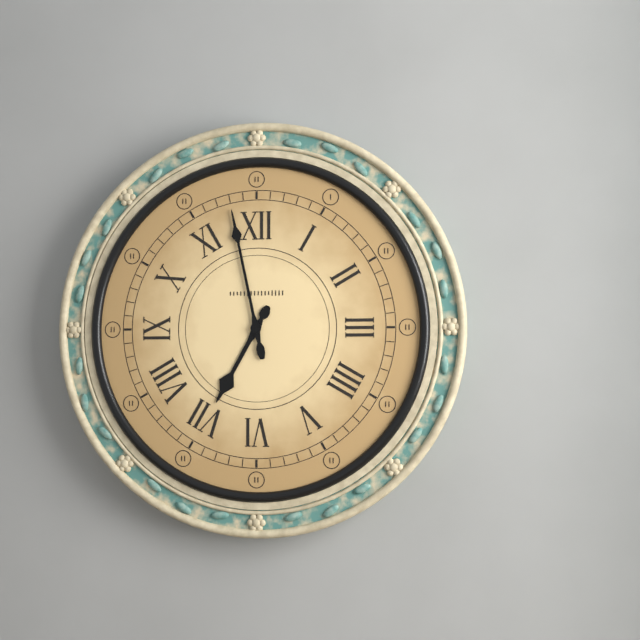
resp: 6,58
